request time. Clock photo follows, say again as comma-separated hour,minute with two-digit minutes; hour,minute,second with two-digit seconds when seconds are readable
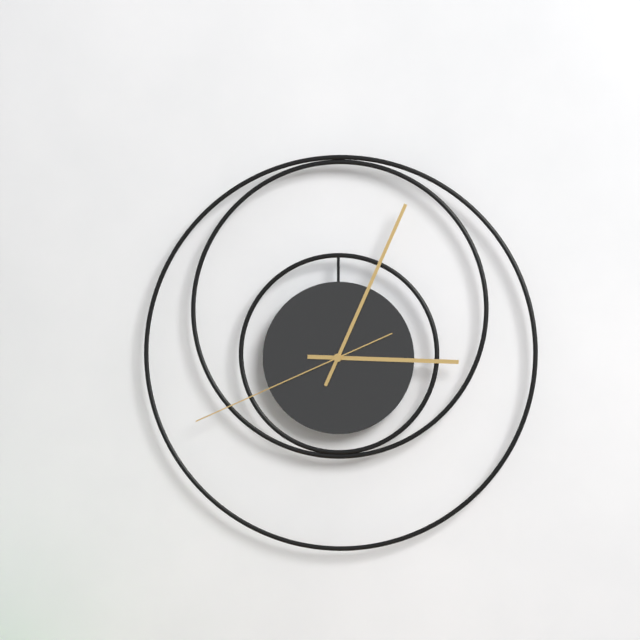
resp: 3,04,41
